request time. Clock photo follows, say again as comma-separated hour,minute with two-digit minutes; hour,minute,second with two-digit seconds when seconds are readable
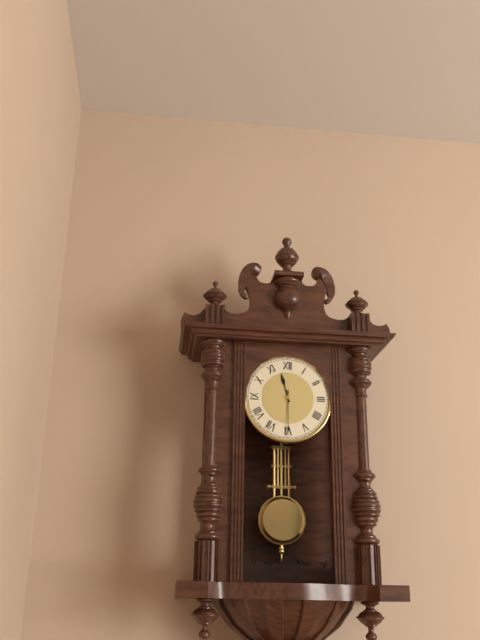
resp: 11,30
